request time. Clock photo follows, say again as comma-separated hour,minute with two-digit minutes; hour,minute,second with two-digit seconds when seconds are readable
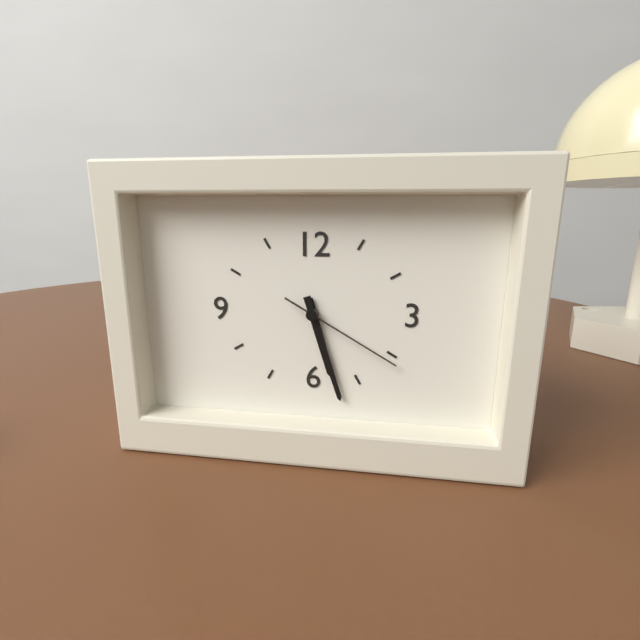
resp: 5,27,20
